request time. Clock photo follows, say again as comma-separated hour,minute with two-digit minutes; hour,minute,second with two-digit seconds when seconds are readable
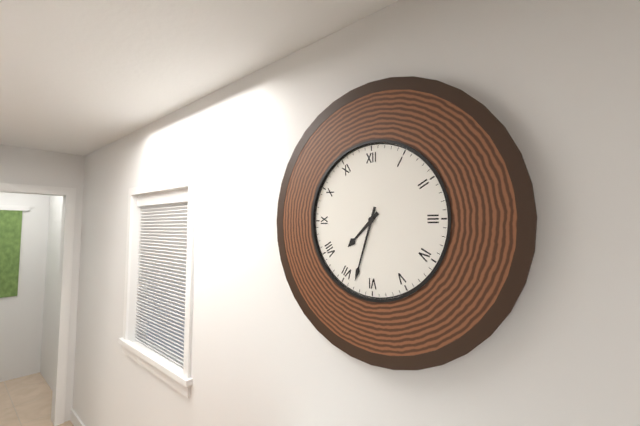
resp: 7,33
